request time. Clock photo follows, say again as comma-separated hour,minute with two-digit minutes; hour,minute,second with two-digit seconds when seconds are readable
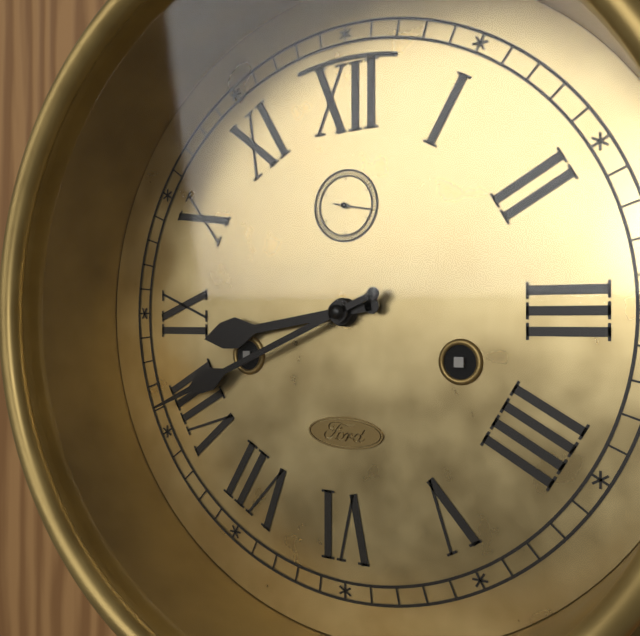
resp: 8,41
